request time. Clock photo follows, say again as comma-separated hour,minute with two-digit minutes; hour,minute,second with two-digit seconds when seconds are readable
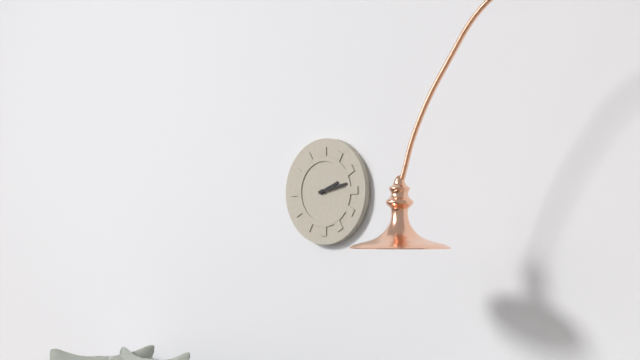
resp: 2,13
